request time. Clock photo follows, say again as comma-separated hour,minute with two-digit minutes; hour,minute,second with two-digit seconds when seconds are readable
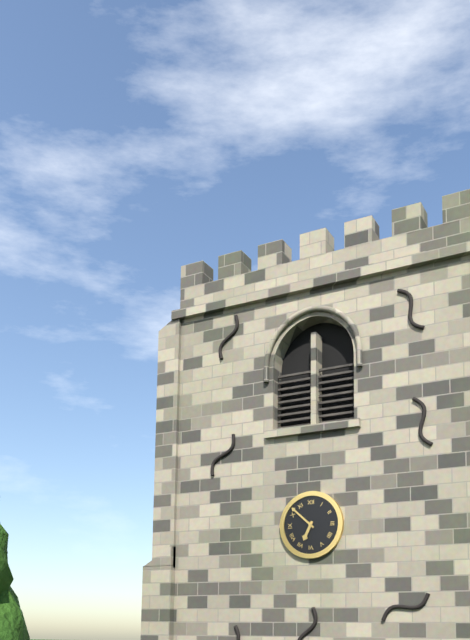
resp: 6,52
